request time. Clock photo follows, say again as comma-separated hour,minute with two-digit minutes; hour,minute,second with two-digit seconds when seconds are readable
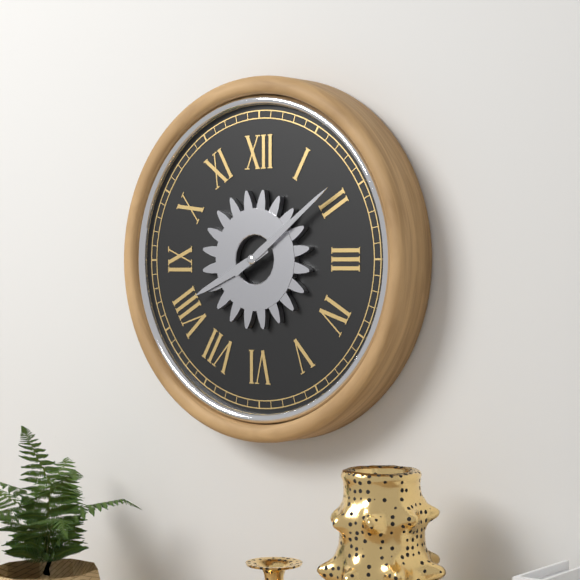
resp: 8,09
